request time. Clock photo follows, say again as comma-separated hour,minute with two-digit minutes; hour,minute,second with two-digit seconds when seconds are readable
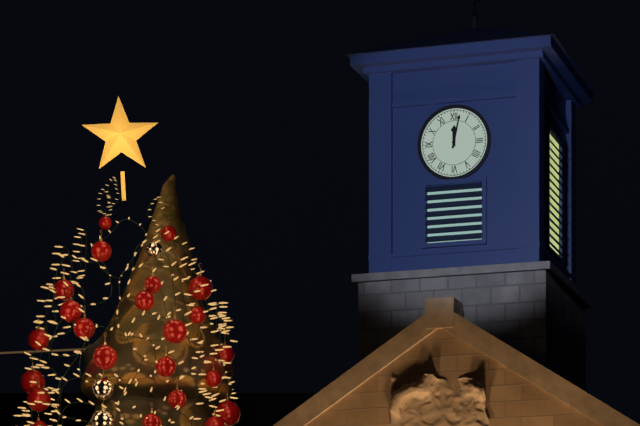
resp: 12,02
